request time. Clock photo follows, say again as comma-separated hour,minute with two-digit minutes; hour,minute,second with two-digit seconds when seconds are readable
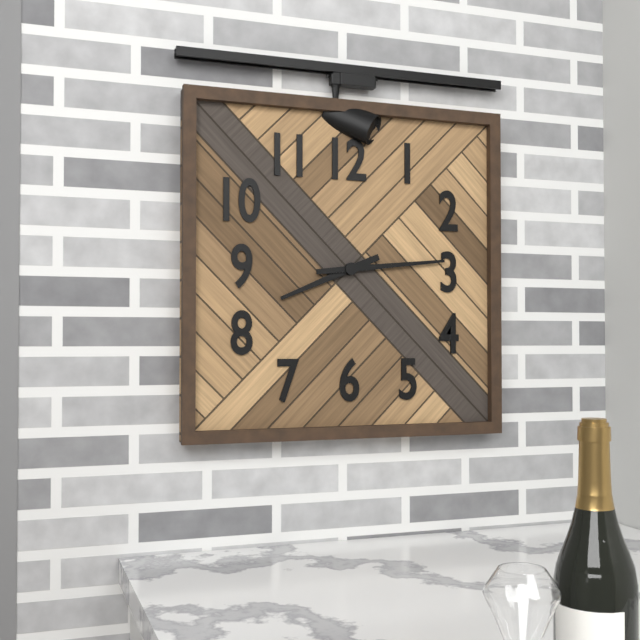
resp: 8,14
